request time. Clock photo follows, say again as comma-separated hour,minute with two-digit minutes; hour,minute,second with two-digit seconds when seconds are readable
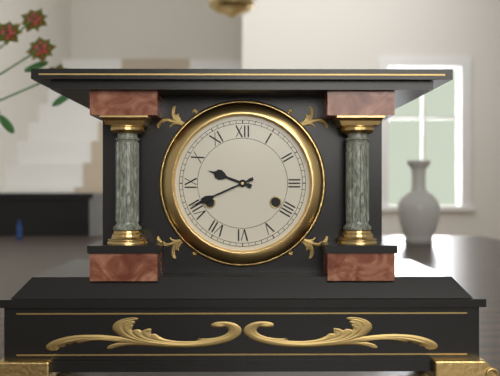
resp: 9,41
